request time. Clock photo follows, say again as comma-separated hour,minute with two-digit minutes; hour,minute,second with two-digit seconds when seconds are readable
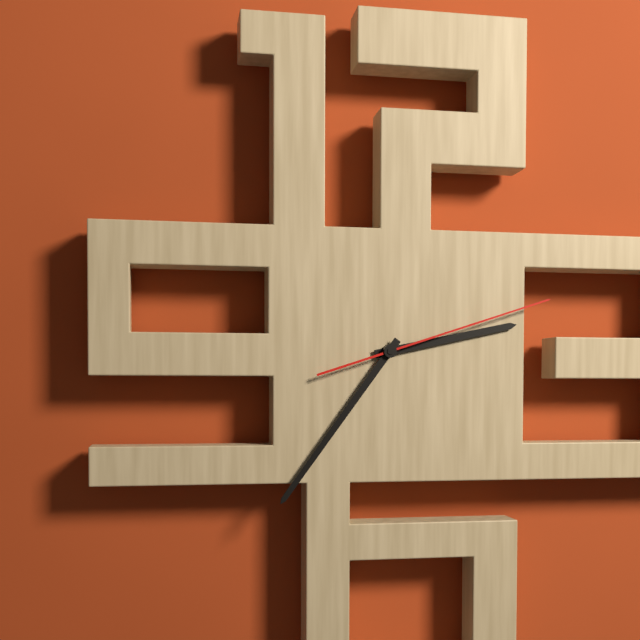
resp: 2,36,12
